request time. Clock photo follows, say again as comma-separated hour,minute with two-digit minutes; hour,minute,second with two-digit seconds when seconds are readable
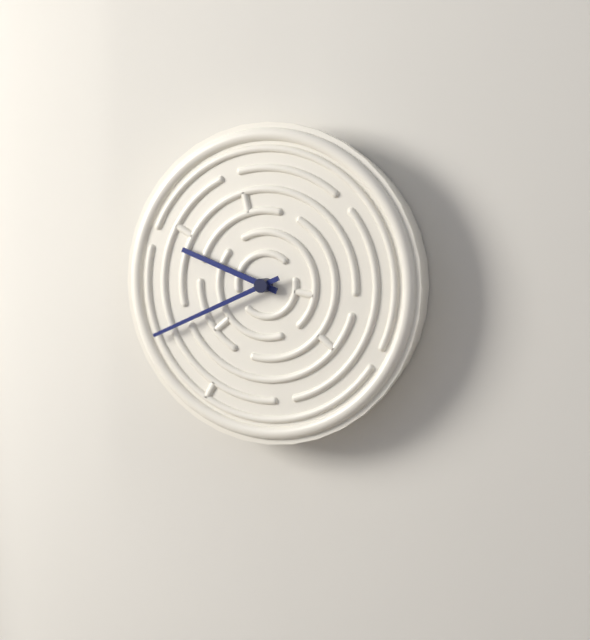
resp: 9,41
